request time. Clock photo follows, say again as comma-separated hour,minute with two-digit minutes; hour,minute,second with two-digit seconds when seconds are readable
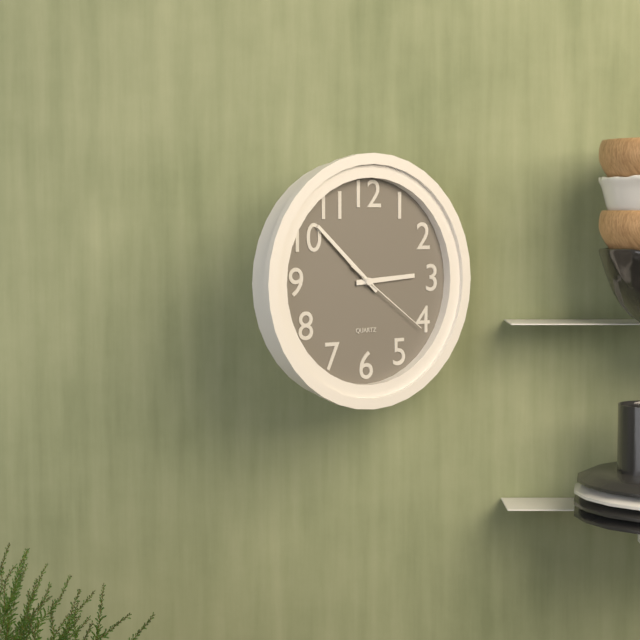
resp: 2,52,21
